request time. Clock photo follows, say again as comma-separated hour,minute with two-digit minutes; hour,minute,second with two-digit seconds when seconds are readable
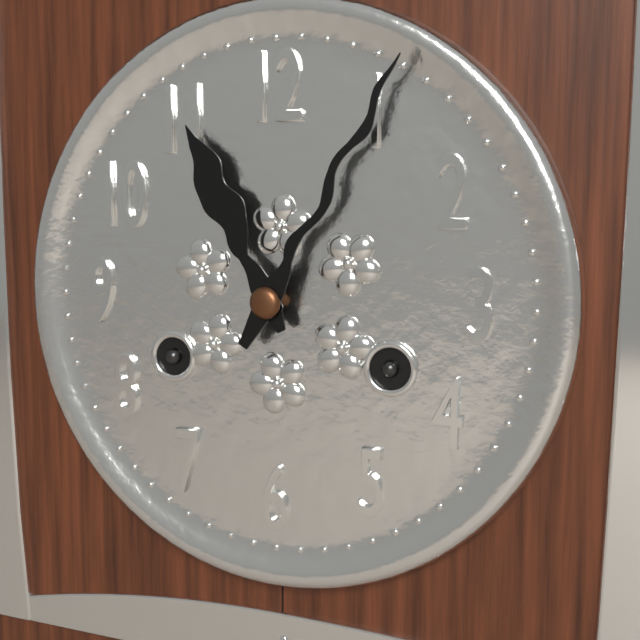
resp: 11,05
